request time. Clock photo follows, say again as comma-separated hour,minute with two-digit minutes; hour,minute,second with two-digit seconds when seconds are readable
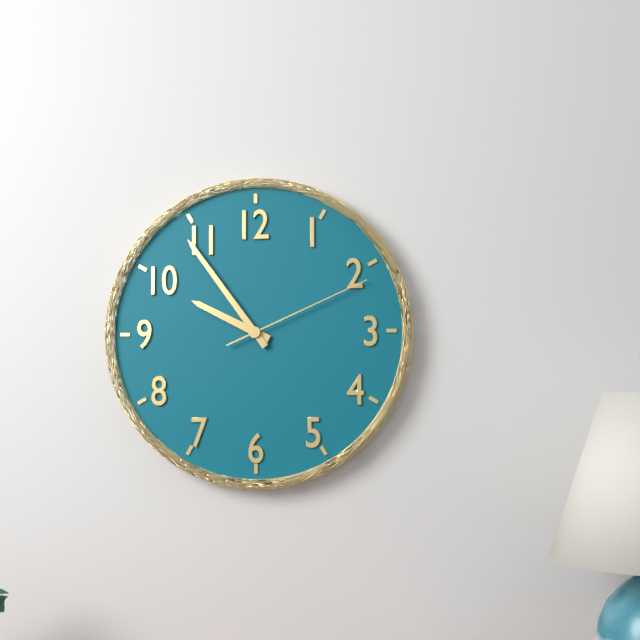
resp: 9,54,11
